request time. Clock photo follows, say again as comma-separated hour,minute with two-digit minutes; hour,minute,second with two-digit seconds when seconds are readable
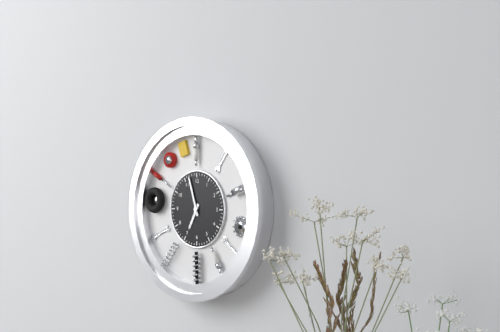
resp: 6,57
